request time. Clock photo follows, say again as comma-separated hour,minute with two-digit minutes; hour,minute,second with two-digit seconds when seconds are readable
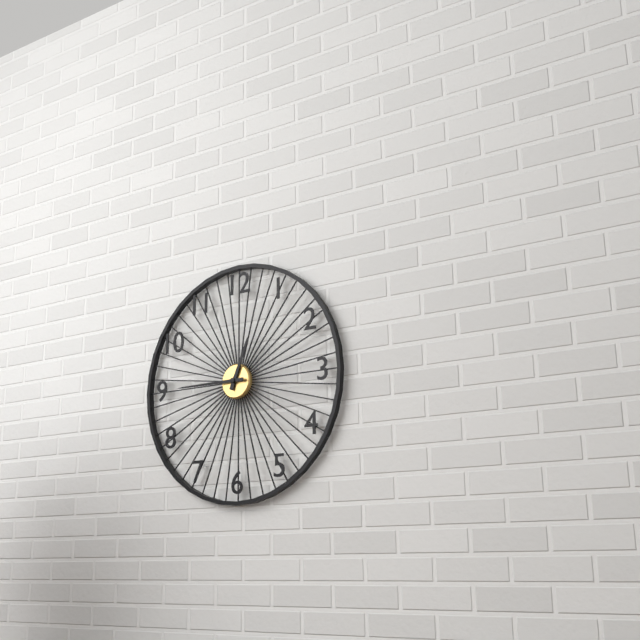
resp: 12,45
